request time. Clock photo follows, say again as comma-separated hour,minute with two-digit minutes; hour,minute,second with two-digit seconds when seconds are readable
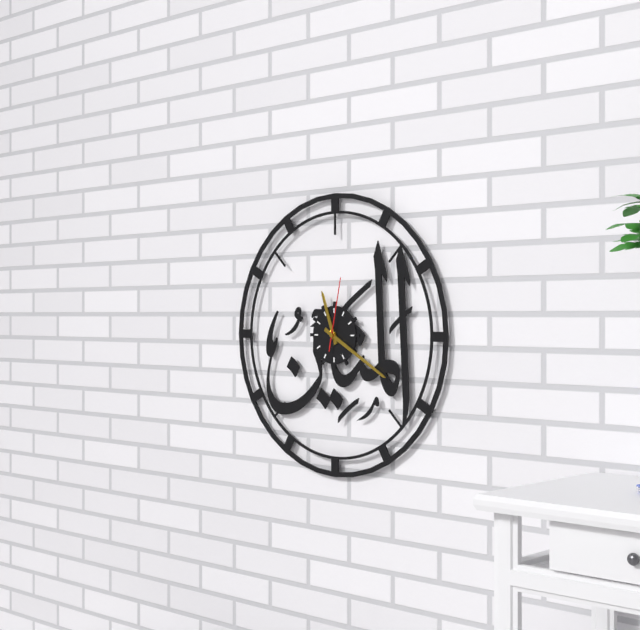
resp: 11,20,02
